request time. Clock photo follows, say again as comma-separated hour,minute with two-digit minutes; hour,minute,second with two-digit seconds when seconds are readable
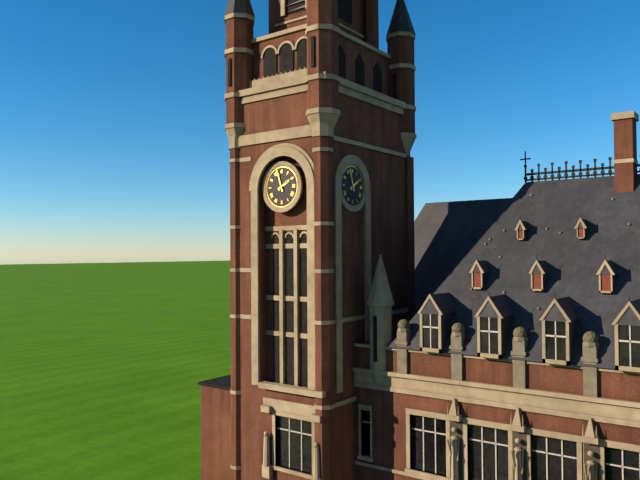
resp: 1,57
